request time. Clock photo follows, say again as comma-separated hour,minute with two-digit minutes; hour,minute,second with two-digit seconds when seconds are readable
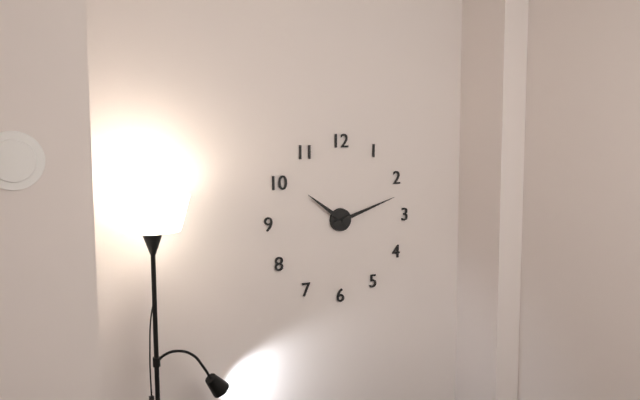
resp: 10,12
